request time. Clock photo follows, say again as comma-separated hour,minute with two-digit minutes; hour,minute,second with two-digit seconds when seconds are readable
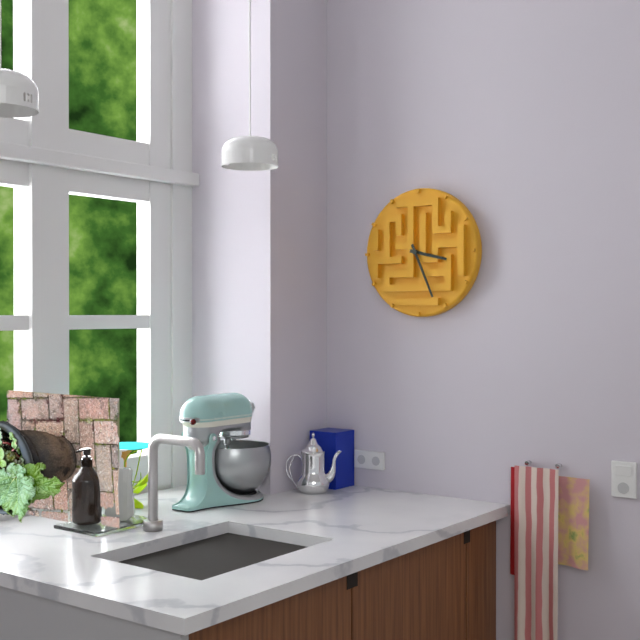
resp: 3,26
